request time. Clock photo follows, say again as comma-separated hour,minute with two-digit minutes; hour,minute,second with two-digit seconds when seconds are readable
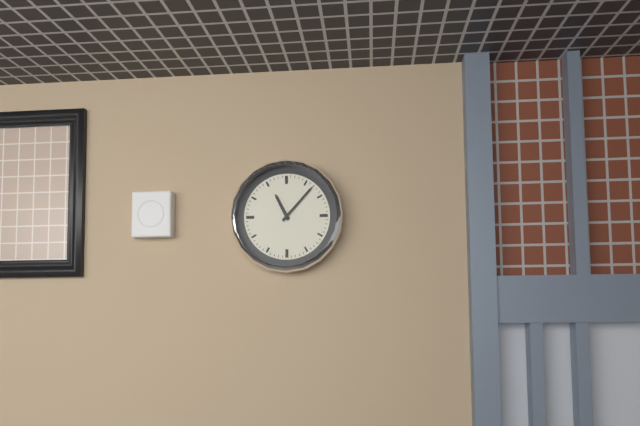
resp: 11,07
